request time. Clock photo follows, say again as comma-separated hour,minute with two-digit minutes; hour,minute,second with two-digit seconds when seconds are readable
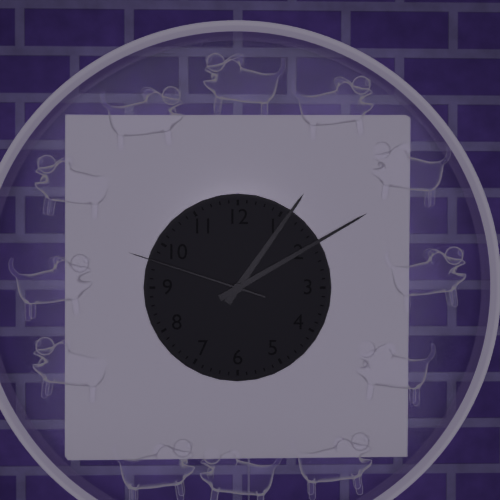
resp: 1,10,48
